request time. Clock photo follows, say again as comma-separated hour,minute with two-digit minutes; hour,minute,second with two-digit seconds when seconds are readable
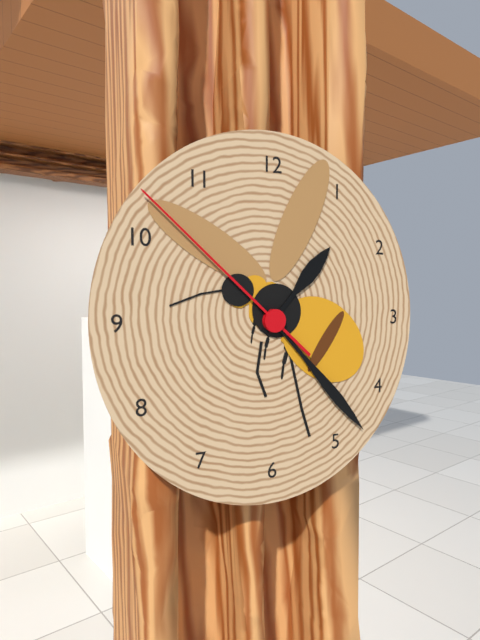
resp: 1,23,52
